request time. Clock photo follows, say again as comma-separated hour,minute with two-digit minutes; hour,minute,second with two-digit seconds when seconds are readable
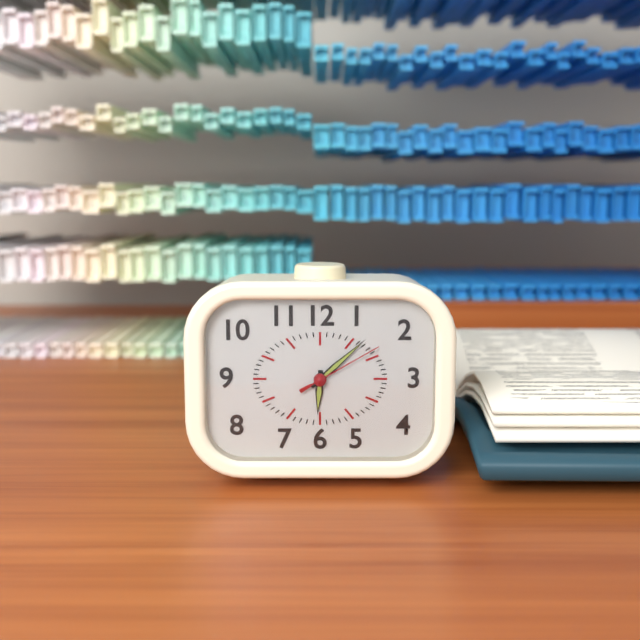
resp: 6,08,10
